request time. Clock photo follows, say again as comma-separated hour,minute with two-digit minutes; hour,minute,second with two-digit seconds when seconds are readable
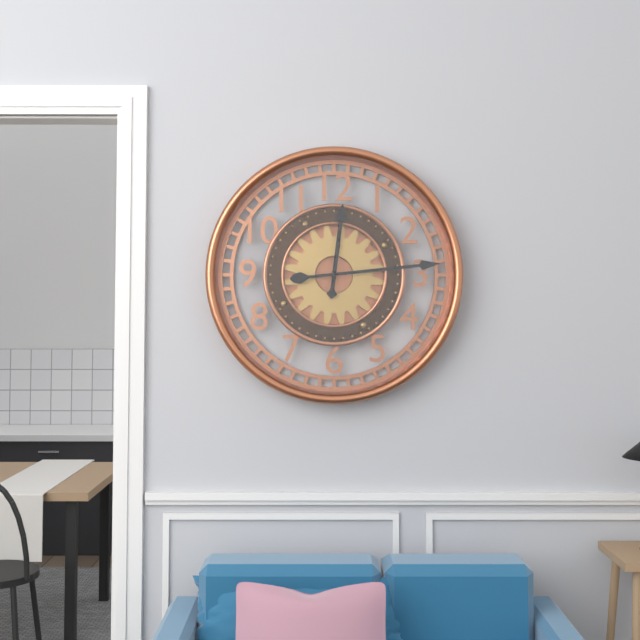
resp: 12,14
